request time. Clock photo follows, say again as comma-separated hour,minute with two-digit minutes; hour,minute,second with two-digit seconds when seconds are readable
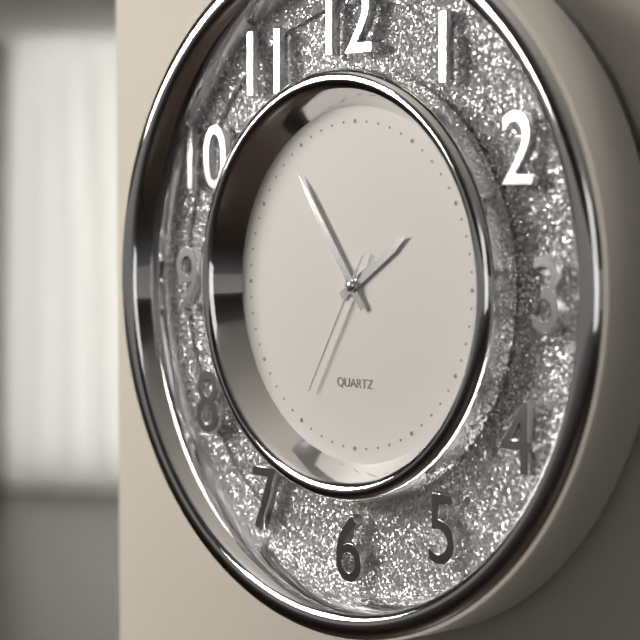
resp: 1,54,35
